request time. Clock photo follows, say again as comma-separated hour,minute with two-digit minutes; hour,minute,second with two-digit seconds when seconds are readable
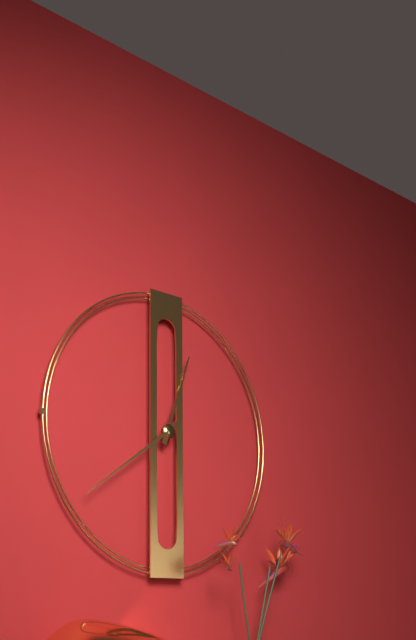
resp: 12,39
